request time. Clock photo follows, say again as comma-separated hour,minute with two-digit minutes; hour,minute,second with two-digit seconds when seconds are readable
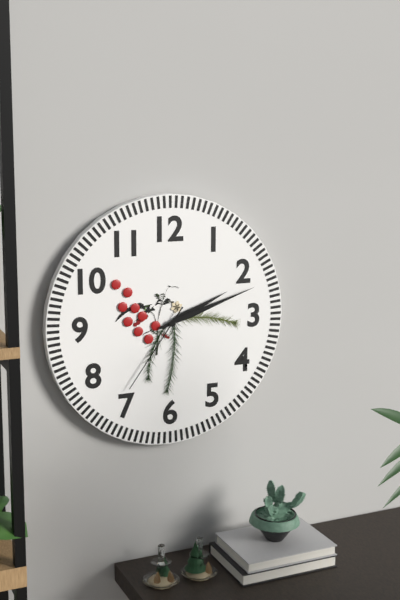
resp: 2,12,36
